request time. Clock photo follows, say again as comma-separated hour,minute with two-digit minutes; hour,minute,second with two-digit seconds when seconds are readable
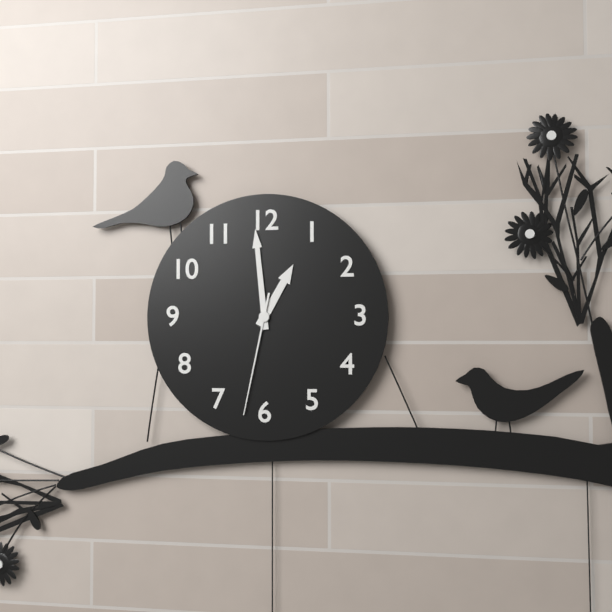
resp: 12,59,32
